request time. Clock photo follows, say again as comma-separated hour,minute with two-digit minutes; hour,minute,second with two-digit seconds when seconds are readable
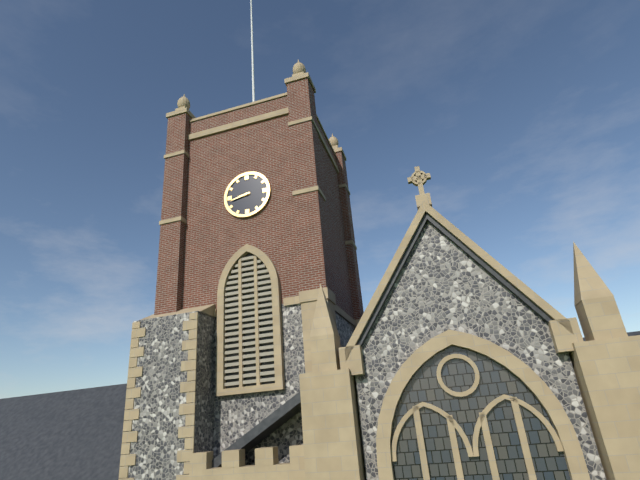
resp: 8,43
